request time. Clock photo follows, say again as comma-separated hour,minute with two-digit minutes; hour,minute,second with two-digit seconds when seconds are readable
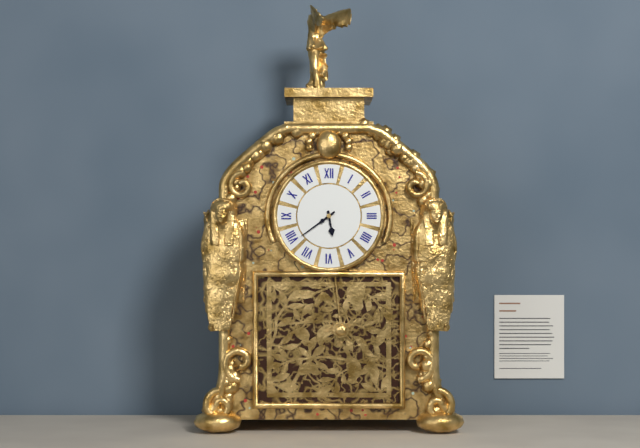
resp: 5,39
